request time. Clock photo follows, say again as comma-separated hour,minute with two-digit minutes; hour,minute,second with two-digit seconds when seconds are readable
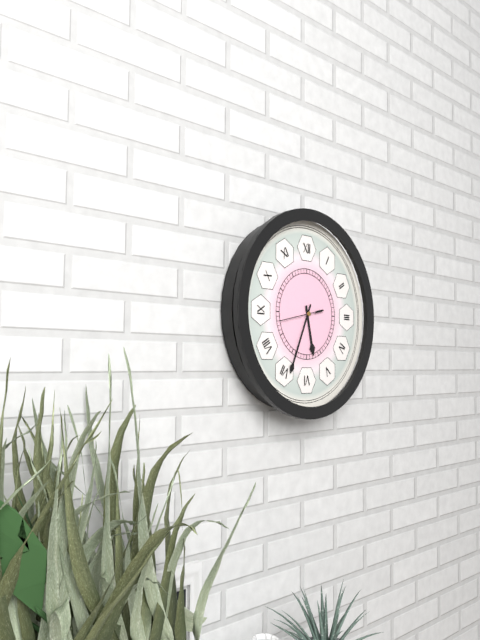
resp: 5,34
